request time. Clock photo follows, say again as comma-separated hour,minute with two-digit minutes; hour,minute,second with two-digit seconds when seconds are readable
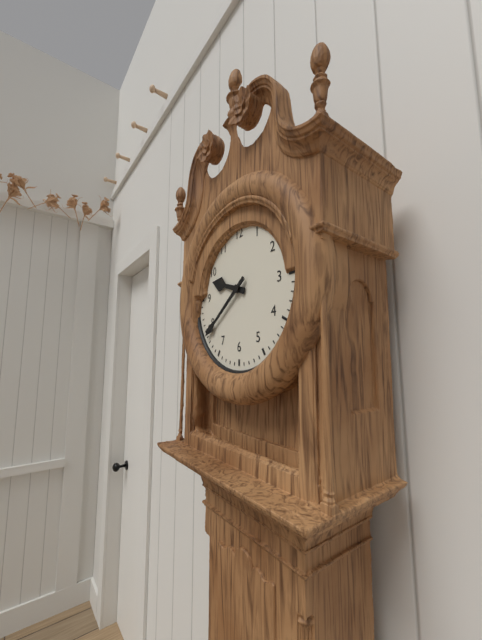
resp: 9,39
